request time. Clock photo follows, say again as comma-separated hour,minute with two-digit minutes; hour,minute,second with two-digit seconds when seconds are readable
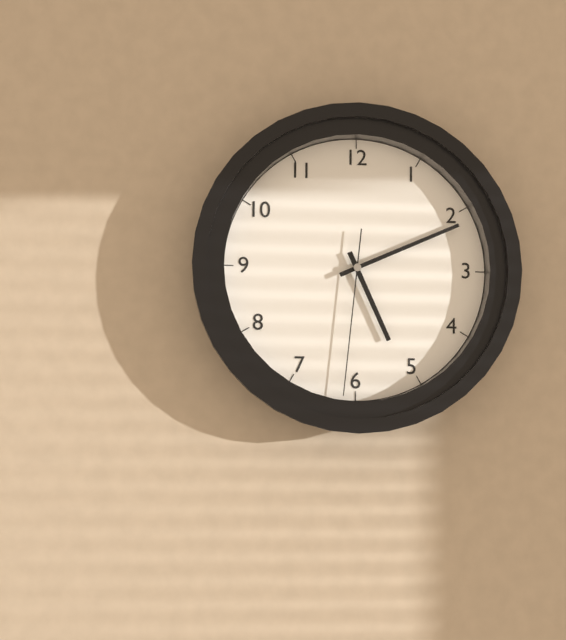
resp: 5,11,31
